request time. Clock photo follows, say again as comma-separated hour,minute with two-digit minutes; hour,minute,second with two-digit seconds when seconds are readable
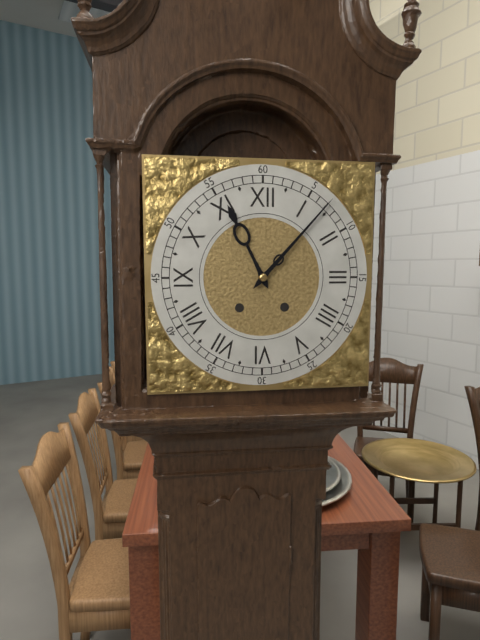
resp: 11,07
